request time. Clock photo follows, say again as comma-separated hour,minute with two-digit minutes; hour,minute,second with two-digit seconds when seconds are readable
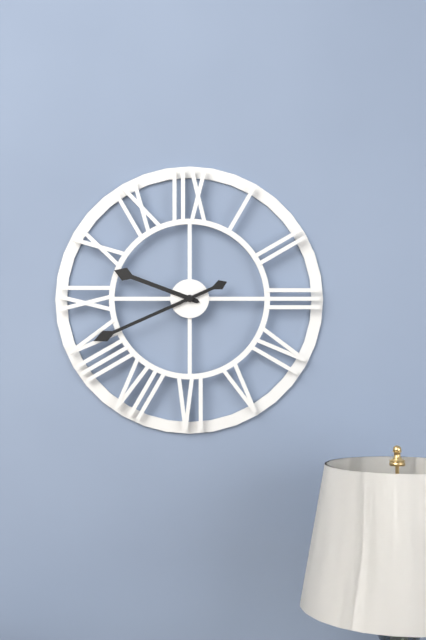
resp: 9,41
